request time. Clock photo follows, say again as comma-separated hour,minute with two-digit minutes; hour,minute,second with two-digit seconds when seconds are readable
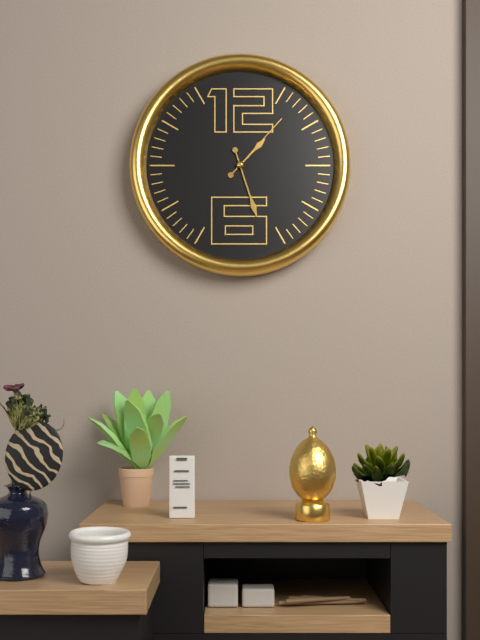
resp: 1,27,07
